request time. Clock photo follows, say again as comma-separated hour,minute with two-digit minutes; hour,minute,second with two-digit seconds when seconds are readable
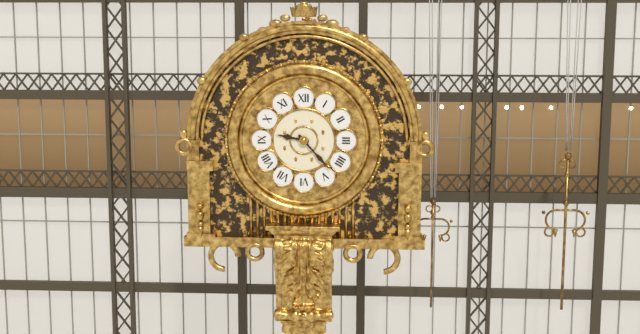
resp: 9,23
